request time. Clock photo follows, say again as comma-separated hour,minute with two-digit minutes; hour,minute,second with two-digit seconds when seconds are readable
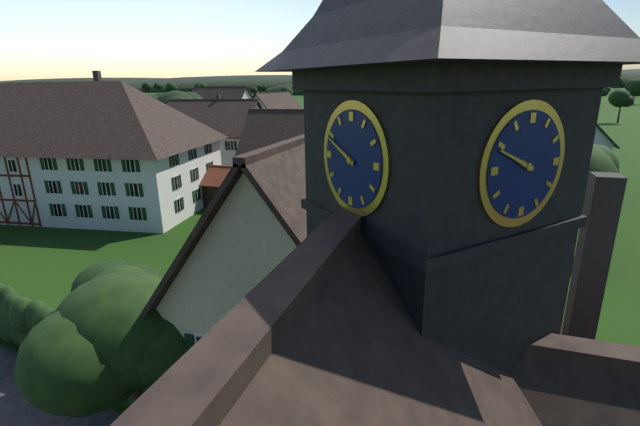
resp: 9,49
